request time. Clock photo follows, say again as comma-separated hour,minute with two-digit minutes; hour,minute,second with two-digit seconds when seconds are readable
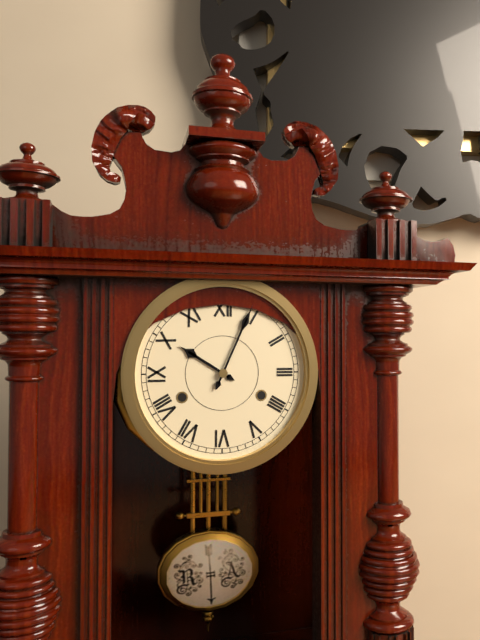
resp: 10,04
